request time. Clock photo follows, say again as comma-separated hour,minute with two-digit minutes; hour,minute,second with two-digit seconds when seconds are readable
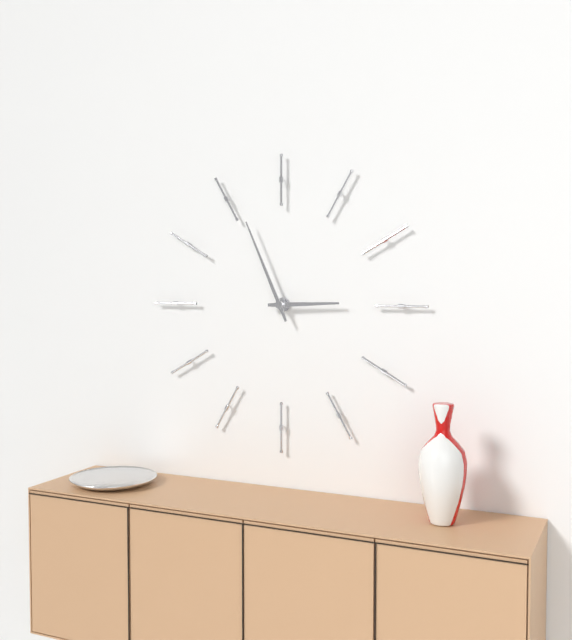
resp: 2,56
